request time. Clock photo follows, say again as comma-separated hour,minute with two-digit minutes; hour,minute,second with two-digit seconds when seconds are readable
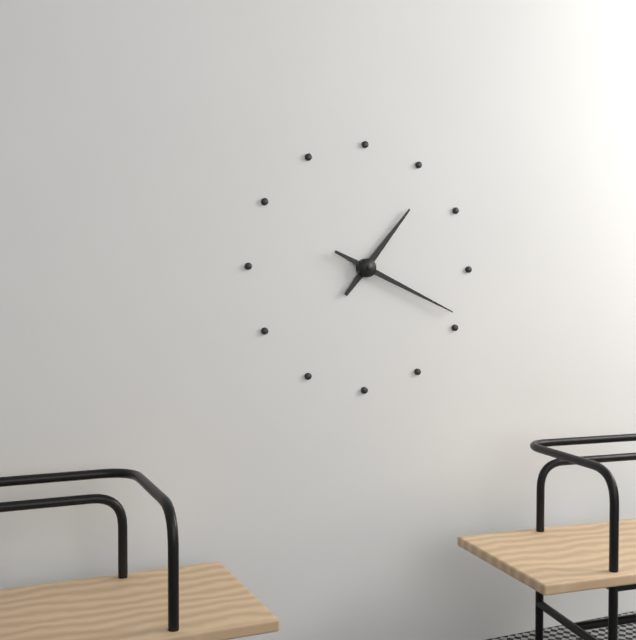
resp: 1,19
